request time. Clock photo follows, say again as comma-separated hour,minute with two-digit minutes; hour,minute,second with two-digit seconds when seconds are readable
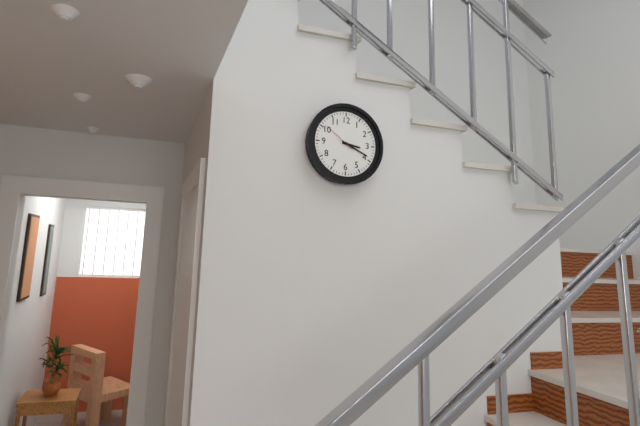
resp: 3,19
